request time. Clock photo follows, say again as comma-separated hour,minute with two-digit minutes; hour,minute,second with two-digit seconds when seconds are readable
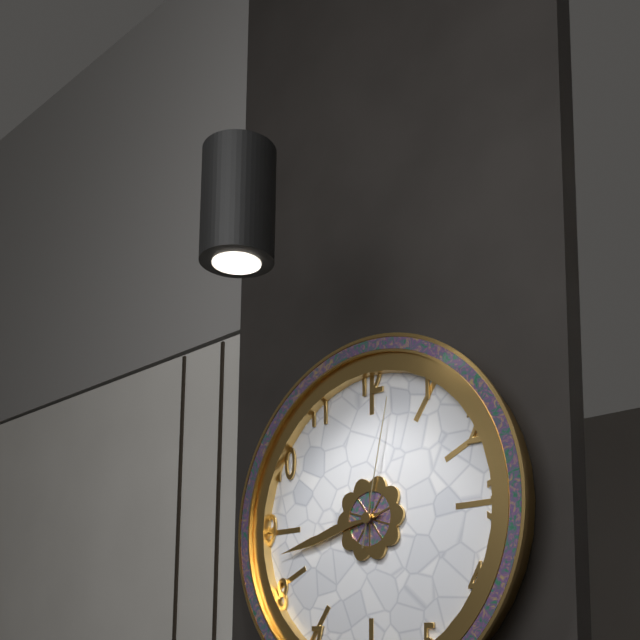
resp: 8,43,02
